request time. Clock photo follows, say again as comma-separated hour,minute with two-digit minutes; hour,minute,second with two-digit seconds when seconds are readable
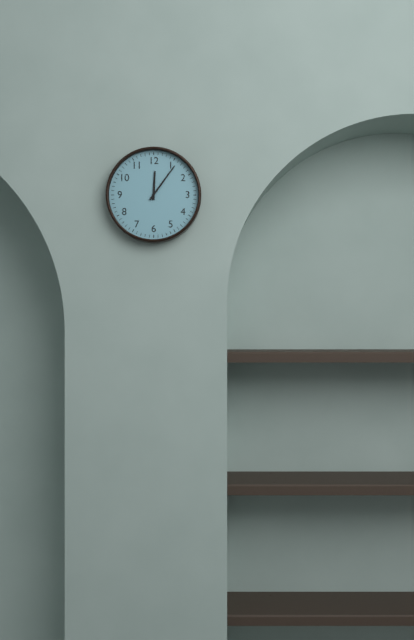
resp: 12,06
